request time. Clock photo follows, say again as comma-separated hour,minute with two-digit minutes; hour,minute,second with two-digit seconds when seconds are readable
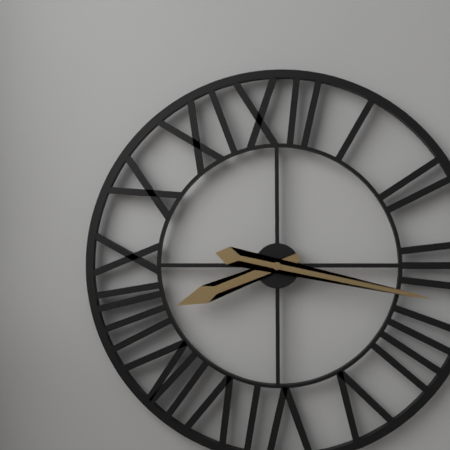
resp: 8,17
